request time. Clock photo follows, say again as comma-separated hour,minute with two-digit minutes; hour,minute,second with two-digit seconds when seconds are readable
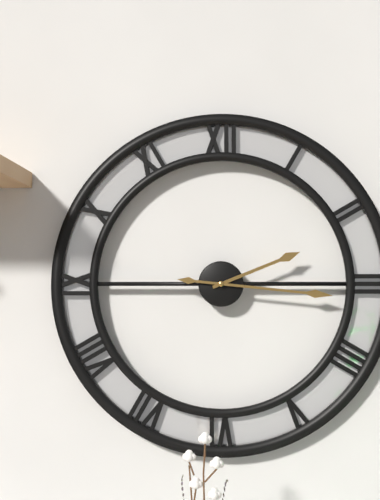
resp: 2,16
